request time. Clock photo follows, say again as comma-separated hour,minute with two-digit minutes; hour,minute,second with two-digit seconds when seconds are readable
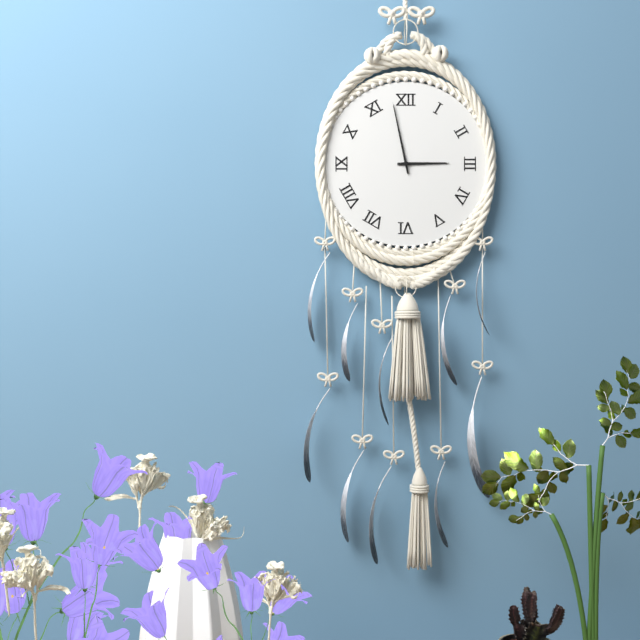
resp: 2,58
